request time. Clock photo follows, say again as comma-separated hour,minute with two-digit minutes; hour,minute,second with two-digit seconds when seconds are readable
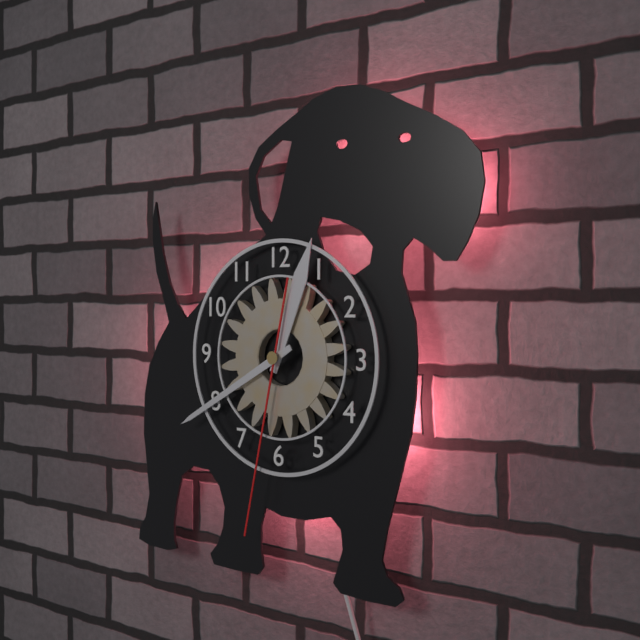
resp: 12,40,32
